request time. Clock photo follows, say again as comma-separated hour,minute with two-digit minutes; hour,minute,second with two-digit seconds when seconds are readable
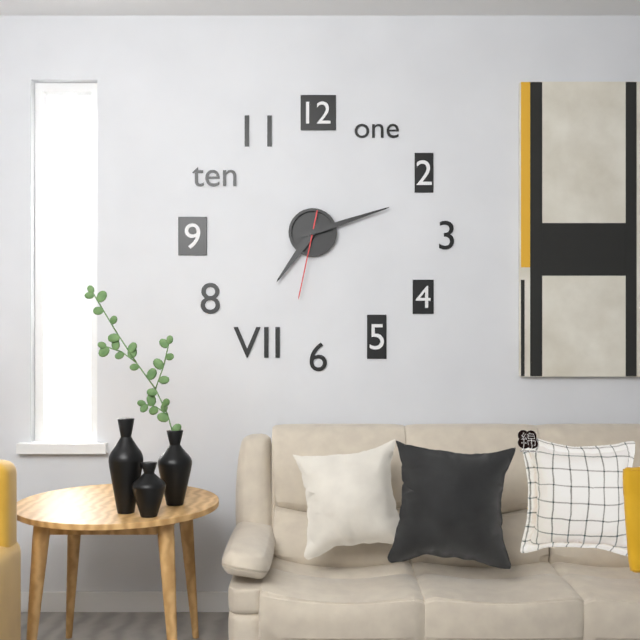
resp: 7,12,32
